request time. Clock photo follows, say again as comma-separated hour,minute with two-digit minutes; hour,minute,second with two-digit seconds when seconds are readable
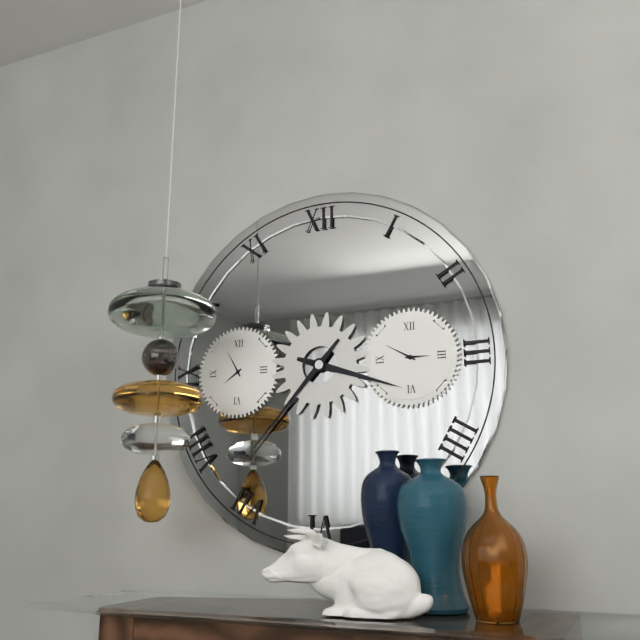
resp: 3,37
